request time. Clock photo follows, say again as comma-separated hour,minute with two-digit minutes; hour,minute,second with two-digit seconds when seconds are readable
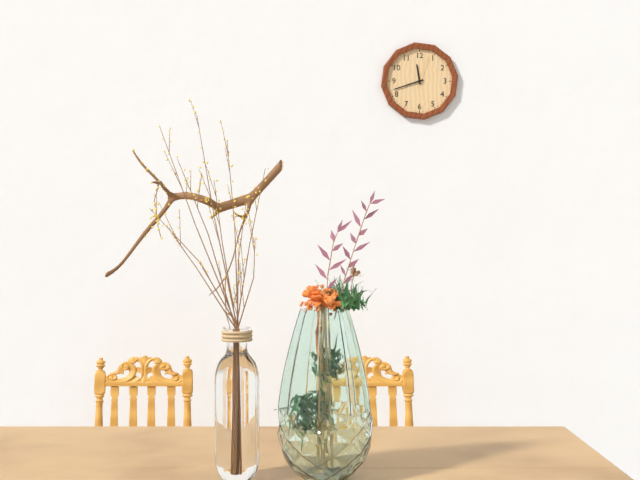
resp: 11,42
